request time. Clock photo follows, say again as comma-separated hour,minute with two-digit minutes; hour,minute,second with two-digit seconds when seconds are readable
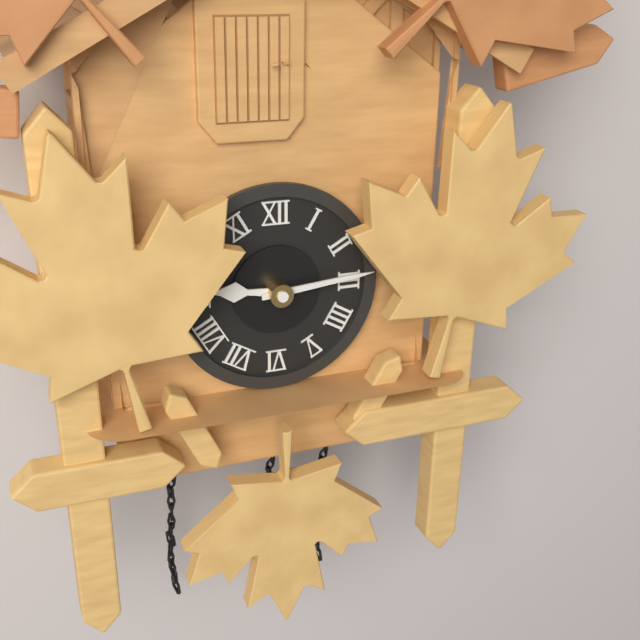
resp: 9,14
